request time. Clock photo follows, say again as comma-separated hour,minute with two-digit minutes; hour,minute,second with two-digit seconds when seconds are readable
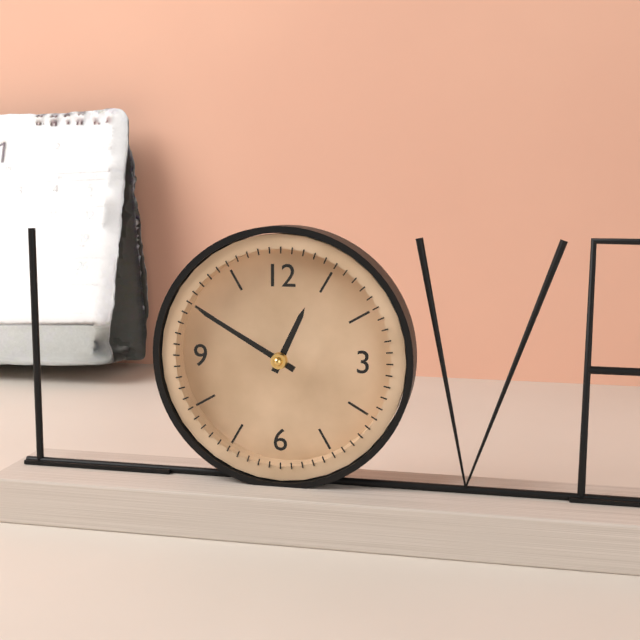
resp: 12,50
